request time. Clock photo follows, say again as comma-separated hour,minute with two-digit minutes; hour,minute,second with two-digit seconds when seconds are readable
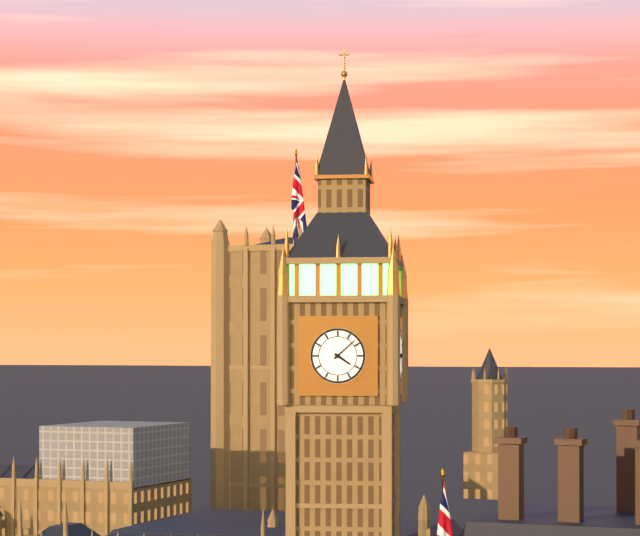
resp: 4,08
